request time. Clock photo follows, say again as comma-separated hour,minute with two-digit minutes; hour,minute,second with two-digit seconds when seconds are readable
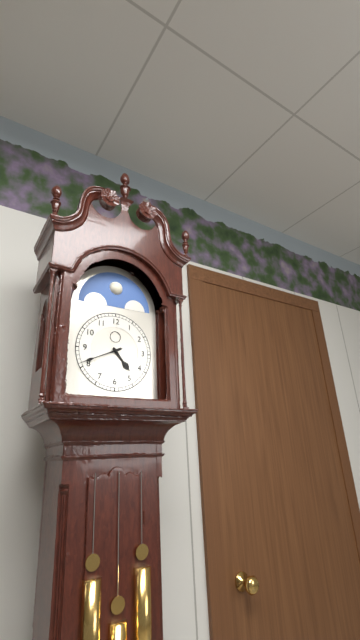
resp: 4,41
